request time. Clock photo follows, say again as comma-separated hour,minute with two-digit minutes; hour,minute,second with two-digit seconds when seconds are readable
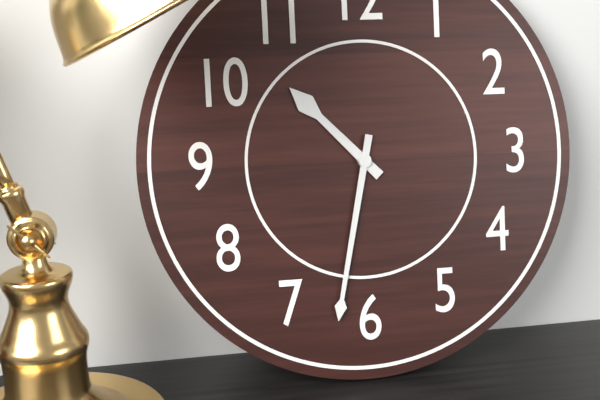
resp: 10,32
